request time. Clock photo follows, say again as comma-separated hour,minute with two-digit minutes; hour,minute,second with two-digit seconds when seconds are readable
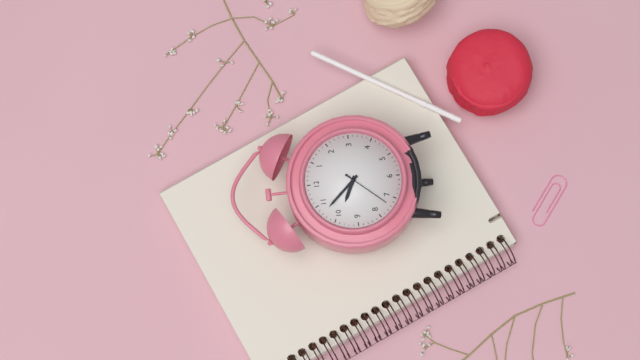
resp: 9,53
